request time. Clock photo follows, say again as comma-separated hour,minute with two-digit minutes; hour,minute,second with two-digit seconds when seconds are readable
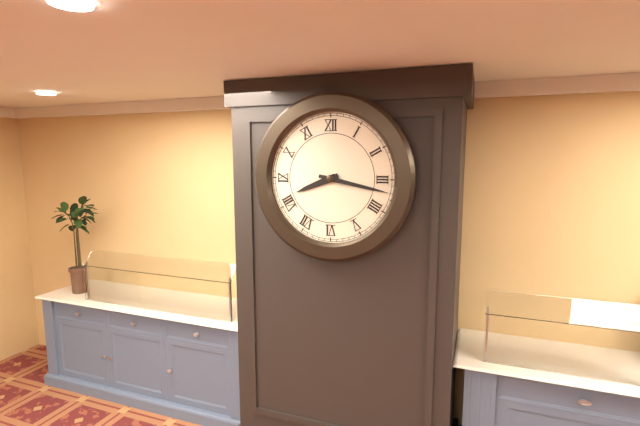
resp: 8,17
